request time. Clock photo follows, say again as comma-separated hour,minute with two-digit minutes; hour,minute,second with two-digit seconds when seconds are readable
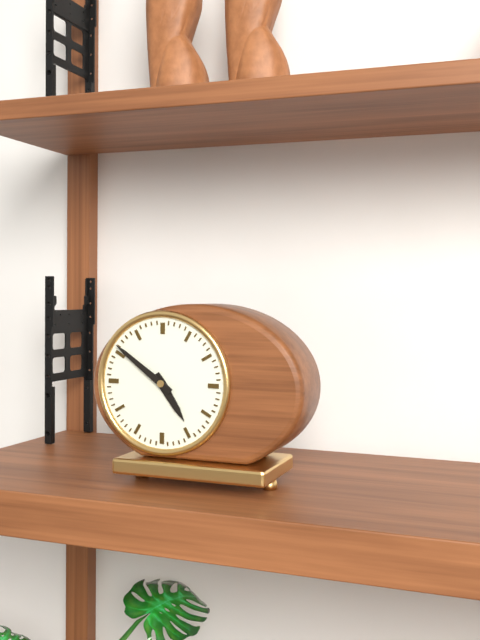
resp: 4,51
